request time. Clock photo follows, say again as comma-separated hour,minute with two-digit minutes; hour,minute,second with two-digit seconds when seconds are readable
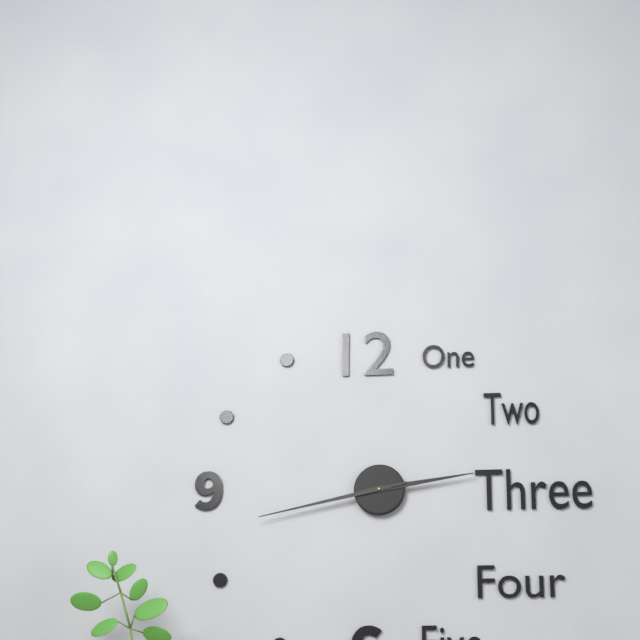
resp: 2,43
